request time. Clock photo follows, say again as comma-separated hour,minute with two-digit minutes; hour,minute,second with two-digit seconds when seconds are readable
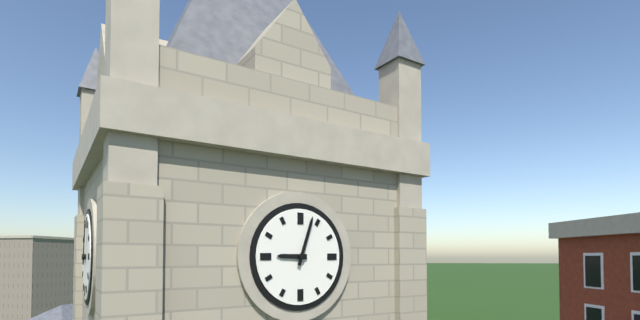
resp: 9,03
